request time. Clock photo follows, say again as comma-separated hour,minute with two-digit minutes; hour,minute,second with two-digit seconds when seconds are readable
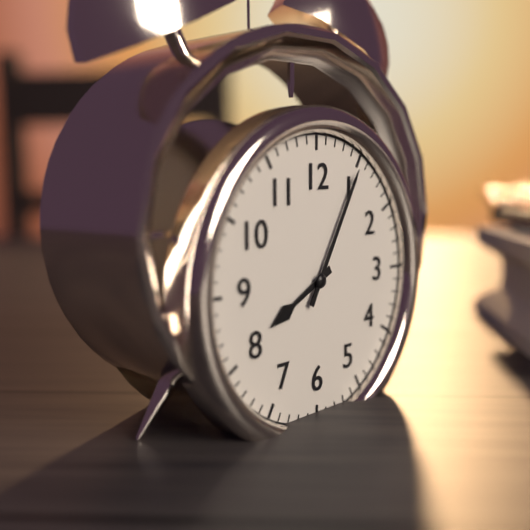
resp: 8,05
